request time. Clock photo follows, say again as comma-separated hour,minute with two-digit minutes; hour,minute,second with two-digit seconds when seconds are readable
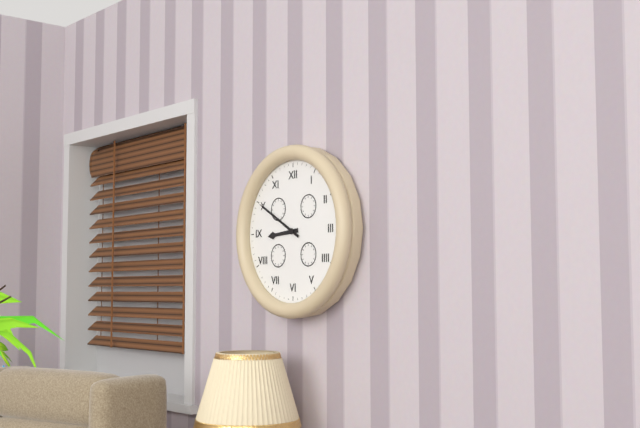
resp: 8,50
